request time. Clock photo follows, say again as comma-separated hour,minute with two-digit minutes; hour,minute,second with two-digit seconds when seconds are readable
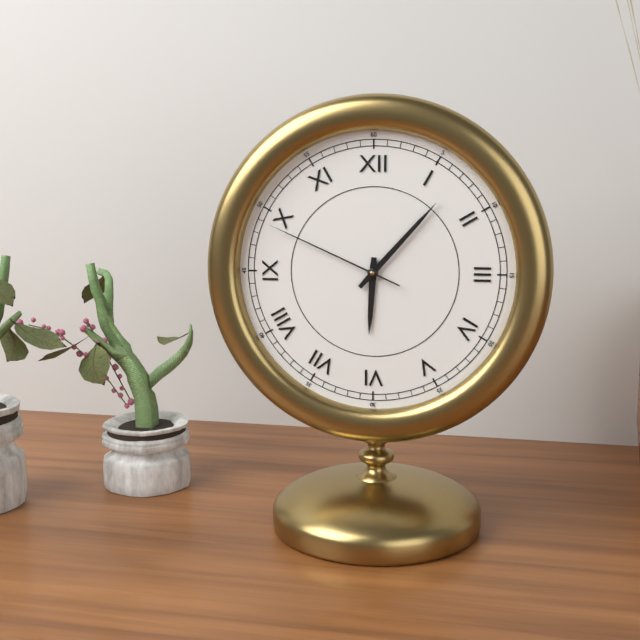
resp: 6,07,49
